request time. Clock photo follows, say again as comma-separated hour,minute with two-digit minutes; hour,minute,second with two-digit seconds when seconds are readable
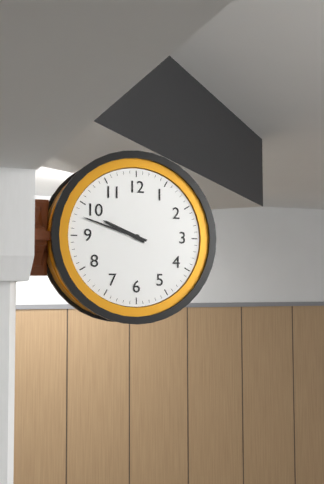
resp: 9,48
